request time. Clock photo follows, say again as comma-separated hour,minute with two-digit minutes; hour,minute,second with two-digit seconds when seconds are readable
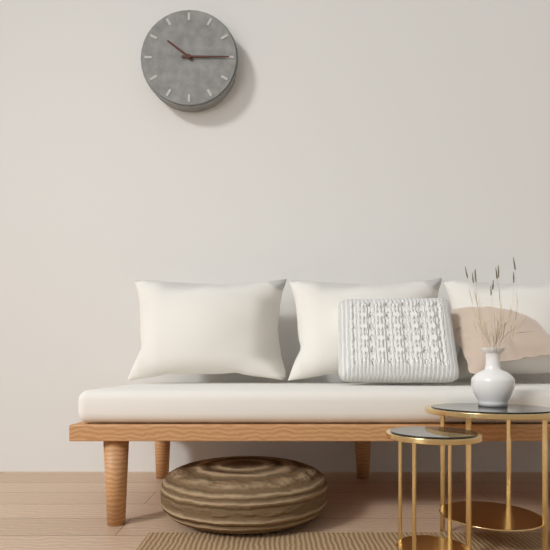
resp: 10,15
